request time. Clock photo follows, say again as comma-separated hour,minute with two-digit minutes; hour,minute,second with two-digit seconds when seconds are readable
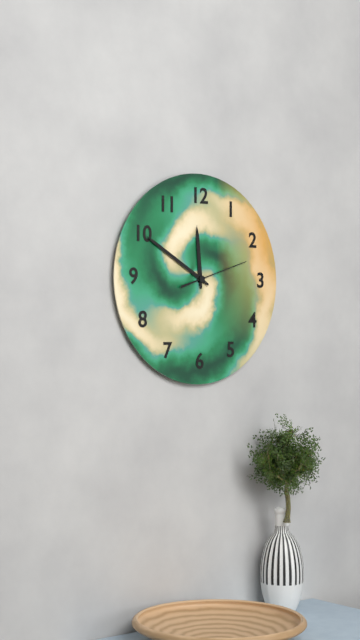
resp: 11,50,12
